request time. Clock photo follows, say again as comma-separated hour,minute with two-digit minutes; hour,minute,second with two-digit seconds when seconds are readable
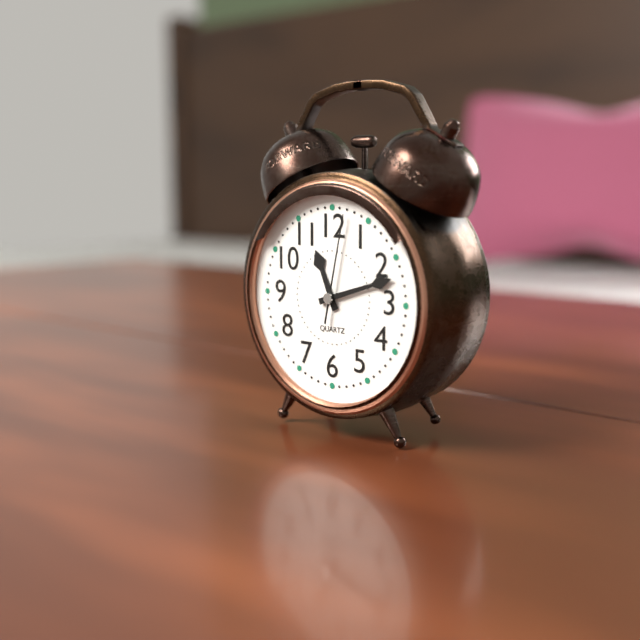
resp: 11,12,02
